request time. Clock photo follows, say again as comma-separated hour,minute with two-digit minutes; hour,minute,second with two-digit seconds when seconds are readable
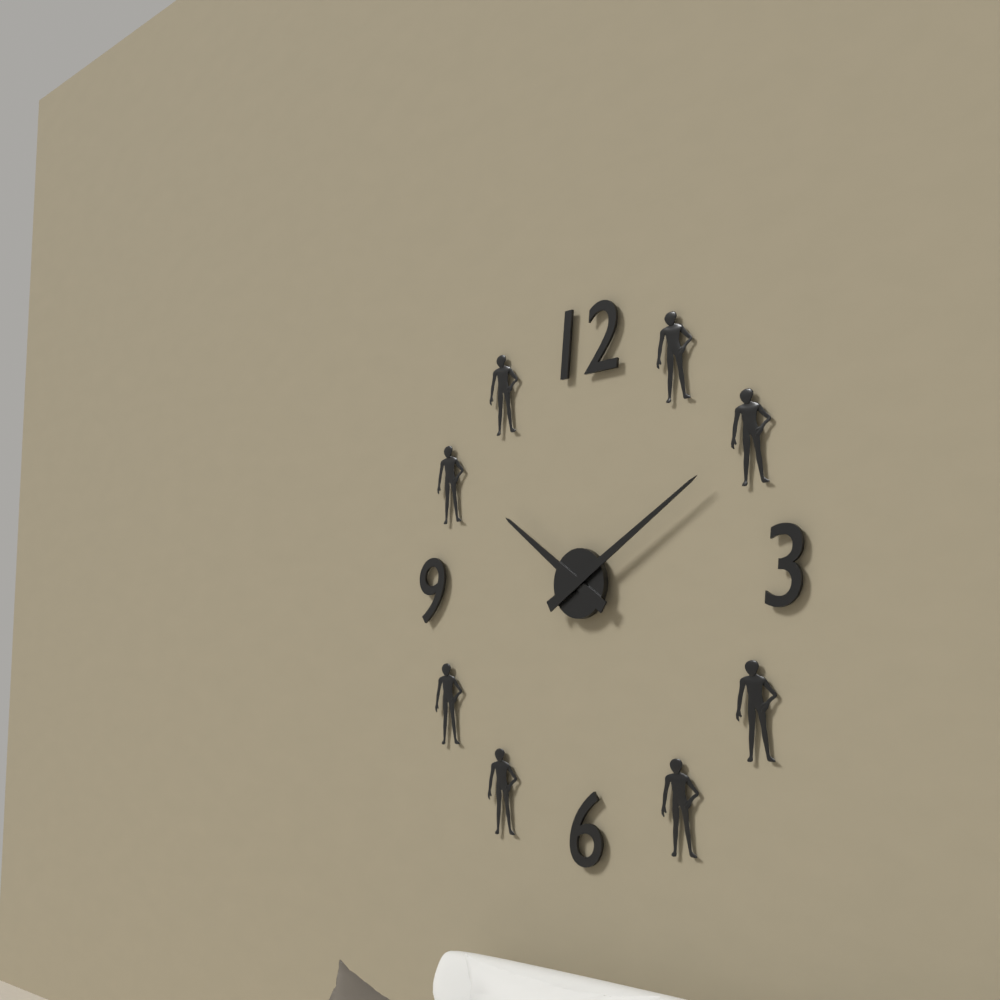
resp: 10,10
